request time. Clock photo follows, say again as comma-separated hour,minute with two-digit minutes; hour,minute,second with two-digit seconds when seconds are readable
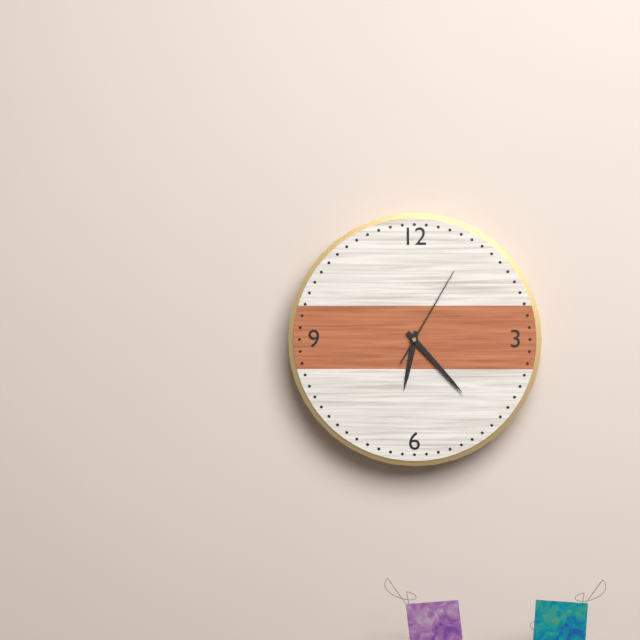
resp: 6,23,05
